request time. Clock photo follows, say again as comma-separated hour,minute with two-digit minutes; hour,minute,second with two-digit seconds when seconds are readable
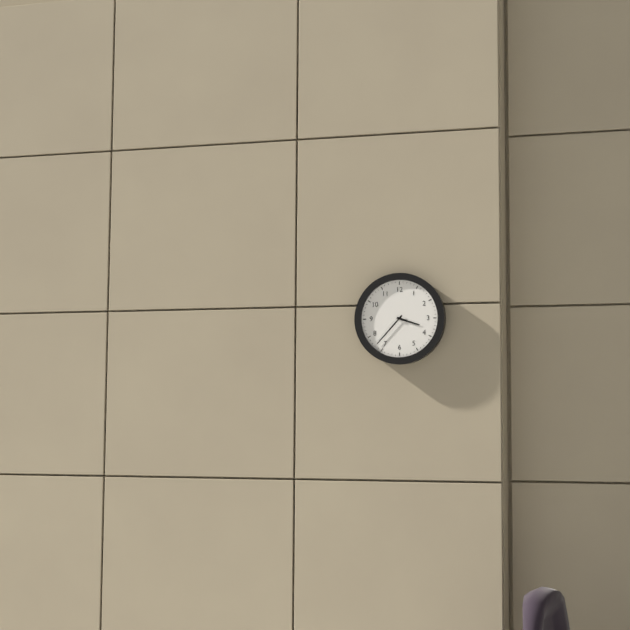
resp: 3,37
